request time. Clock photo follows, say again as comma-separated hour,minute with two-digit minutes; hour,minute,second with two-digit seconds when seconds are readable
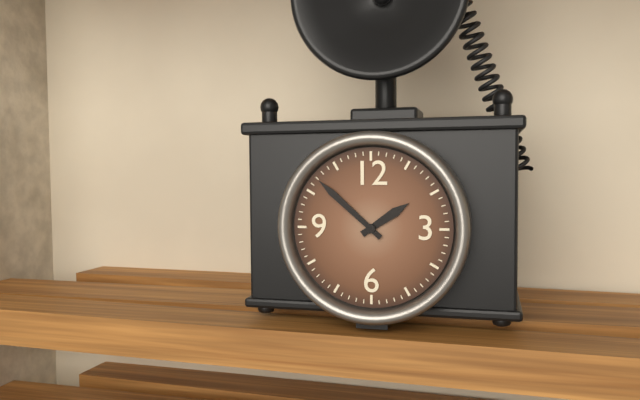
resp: 1,52
